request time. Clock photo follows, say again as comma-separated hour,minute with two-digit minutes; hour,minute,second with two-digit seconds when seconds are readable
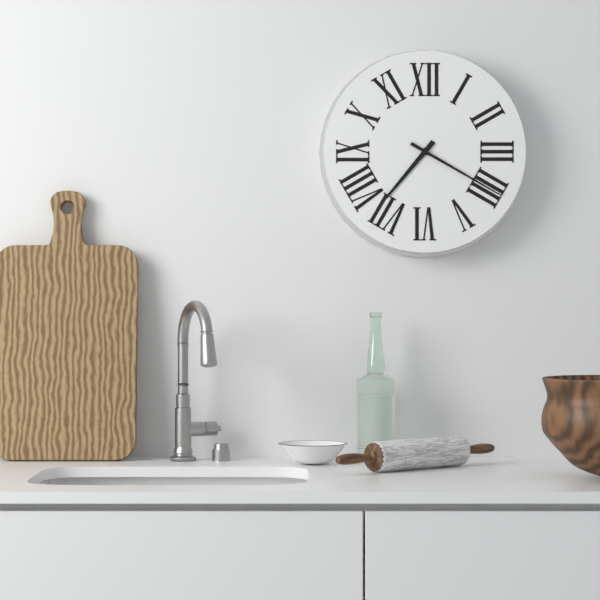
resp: 7,20
